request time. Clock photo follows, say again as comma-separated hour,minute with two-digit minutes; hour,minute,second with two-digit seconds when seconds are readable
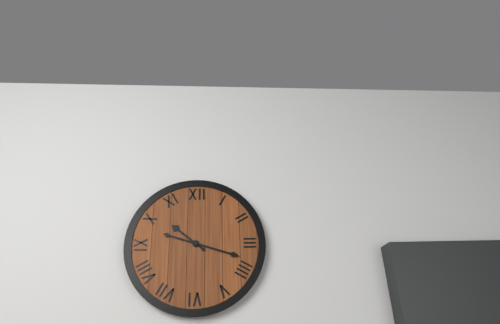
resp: 10,18
